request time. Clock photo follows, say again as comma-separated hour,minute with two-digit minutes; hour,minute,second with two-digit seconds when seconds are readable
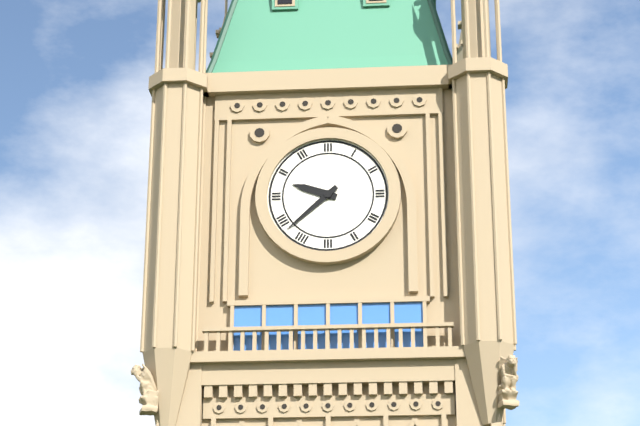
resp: 9,38
